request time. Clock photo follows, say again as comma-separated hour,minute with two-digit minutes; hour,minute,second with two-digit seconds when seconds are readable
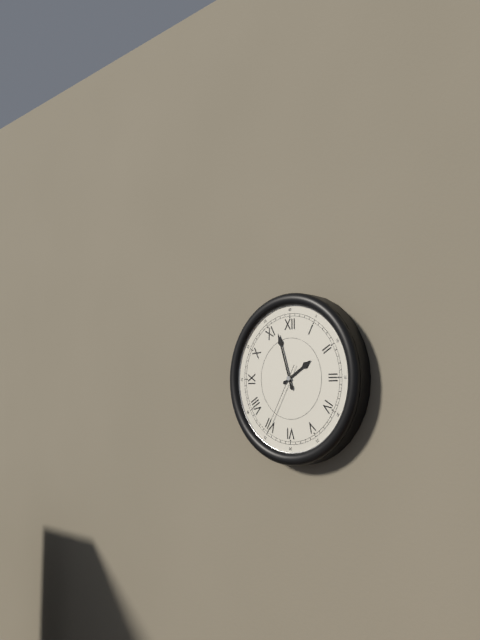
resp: 1,57,35
